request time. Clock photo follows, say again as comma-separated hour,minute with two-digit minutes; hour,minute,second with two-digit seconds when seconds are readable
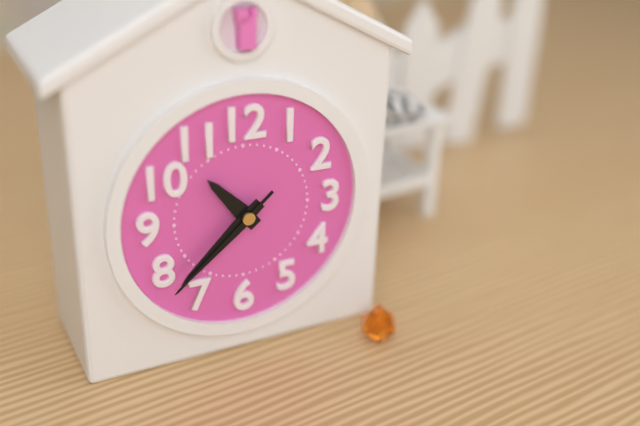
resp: 10,38,38
